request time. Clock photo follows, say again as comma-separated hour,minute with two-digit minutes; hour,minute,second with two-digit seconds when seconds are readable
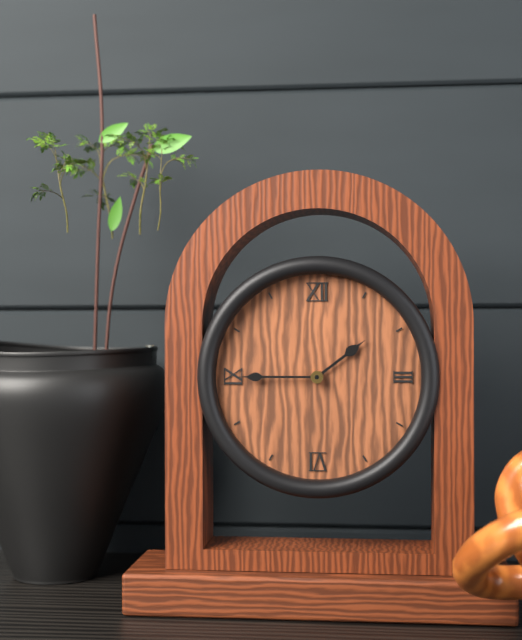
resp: 1,45
